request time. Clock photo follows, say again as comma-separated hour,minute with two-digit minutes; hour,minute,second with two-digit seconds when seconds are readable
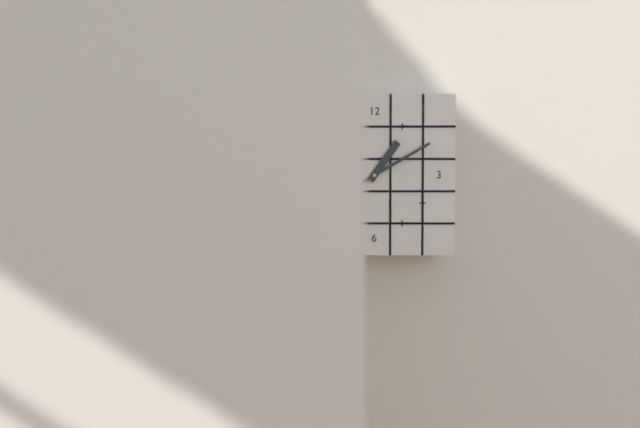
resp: 1,10
